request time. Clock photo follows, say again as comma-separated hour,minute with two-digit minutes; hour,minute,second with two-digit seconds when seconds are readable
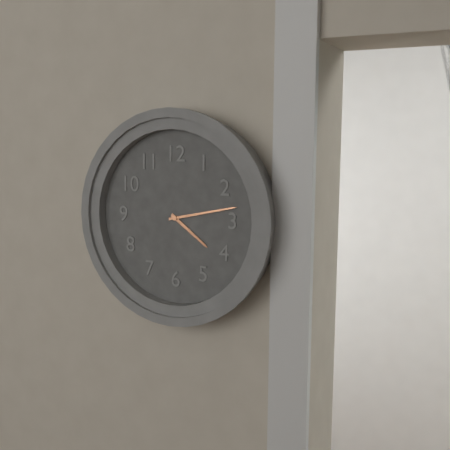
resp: 4,13
